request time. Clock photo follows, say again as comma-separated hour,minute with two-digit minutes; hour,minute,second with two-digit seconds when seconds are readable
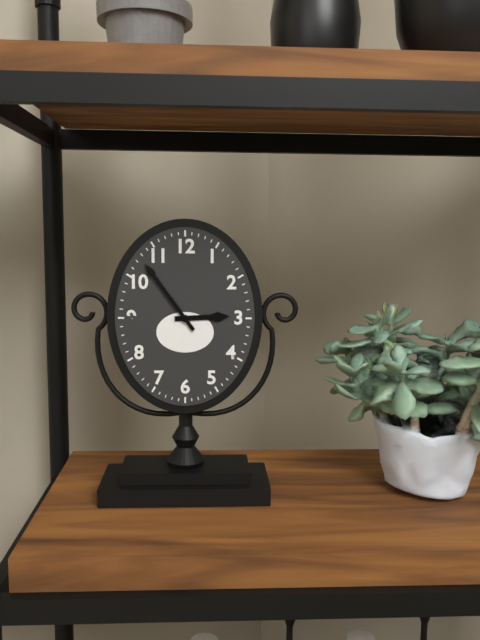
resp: 2,54
